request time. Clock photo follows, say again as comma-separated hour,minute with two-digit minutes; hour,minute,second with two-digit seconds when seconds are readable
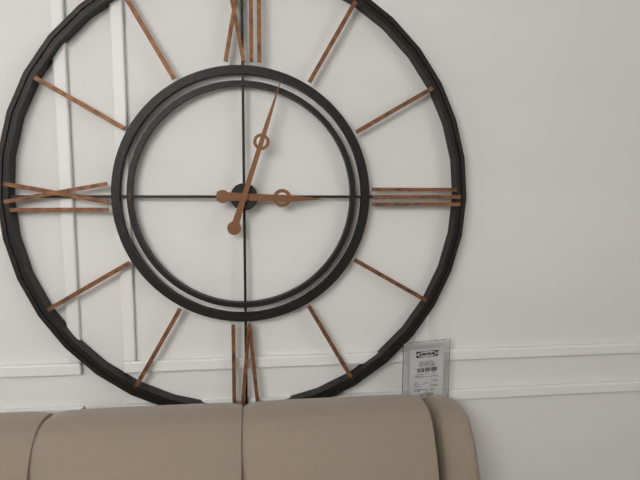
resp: 3,03
